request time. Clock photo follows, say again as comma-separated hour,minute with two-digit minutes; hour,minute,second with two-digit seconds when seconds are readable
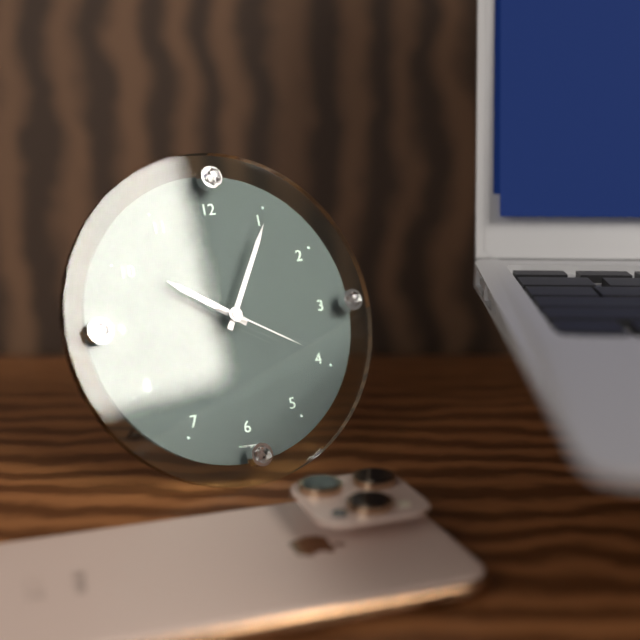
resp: 10,05,20
